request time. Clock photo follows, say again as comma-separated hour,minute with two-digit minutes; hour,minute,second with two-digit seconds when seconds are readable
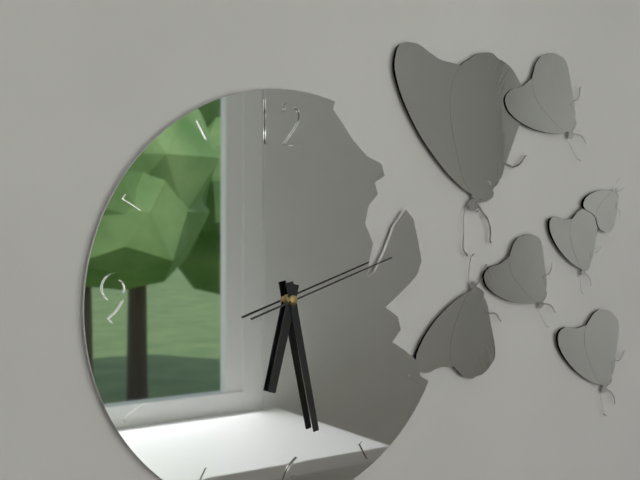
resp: 6,28,12
